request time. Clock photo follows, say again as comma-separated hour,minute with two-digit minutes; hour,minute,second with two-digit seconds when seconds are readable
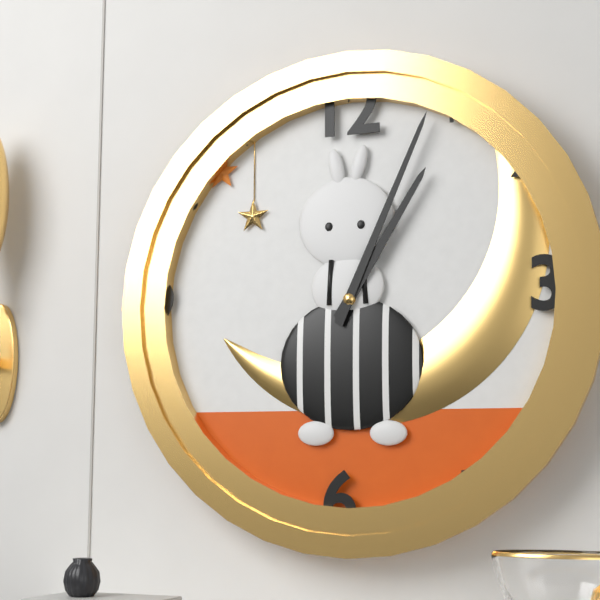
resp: 1,04
